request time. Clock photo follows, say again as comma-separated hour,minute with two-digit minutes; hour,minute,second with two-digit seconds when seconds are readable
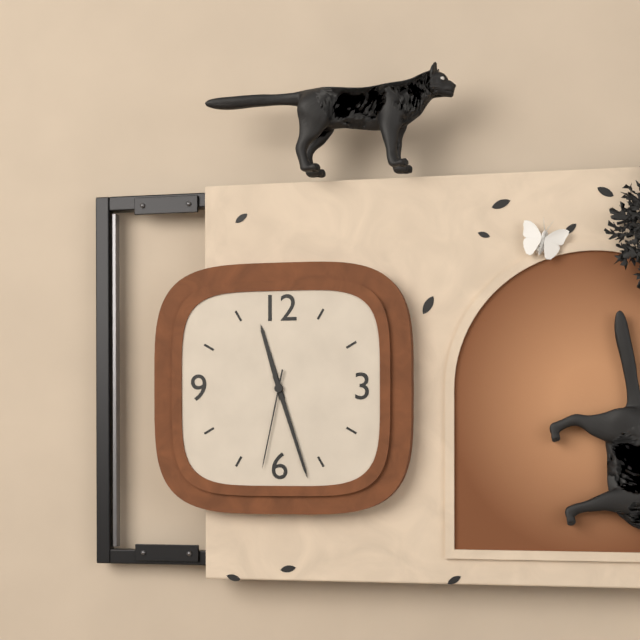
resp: 11,27,32
